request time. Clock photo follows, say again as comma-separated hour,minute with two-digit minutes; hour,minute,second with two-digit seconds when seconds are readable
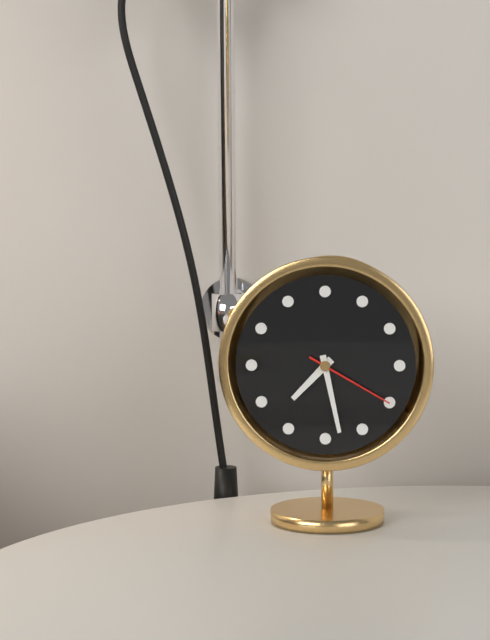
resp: 7,28,20
